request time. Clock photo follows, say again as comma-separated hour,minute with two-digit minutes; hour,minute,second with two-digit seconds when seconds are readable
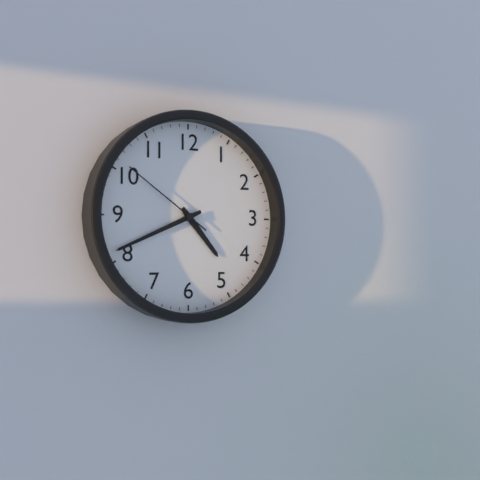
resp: 4,41,51
